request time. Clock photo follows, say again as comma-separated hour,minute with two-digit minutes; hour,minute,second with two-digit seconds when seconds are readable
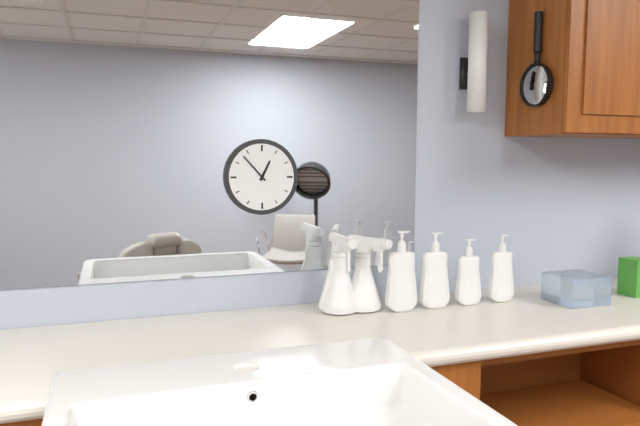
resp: 12,53
